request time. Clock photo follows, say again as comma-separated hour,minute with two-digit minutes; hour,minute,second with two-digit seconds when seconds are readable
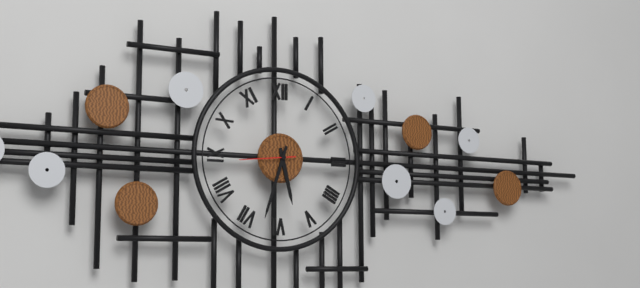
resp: 5,33,44
